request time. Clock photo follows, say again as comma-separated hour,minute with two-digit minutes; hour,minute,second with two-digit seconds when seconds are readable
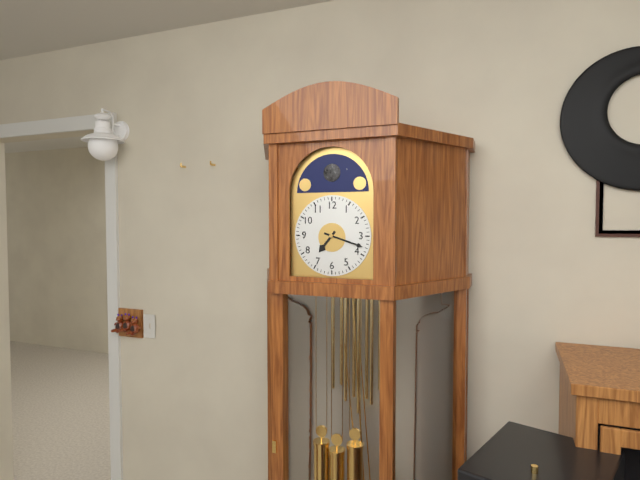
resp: 7,18
